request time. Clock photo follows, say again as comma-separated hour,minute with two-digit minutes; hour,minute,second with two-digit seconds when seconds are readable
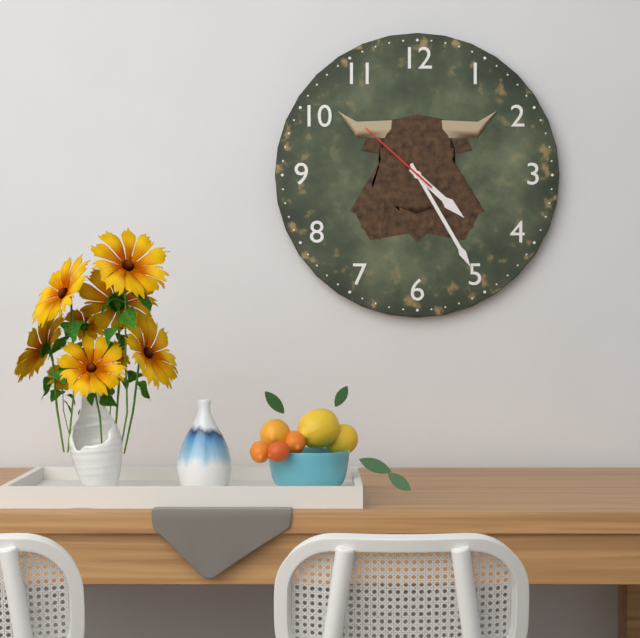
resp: 4,25,52
